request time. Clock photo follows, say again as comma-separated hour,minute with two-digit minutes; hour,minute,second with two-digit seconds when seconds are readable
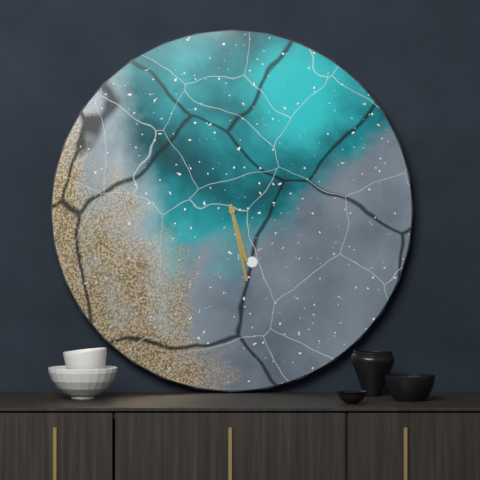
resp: 5,28
